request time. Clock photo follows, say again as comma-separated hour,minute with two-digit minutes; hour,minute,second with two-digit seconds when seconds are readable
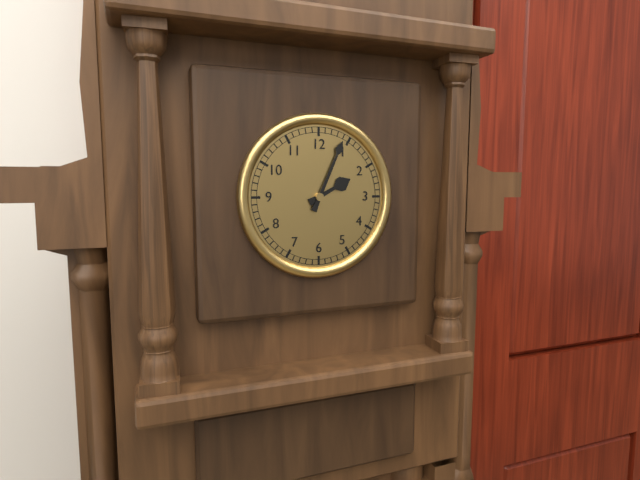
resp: 2,04
